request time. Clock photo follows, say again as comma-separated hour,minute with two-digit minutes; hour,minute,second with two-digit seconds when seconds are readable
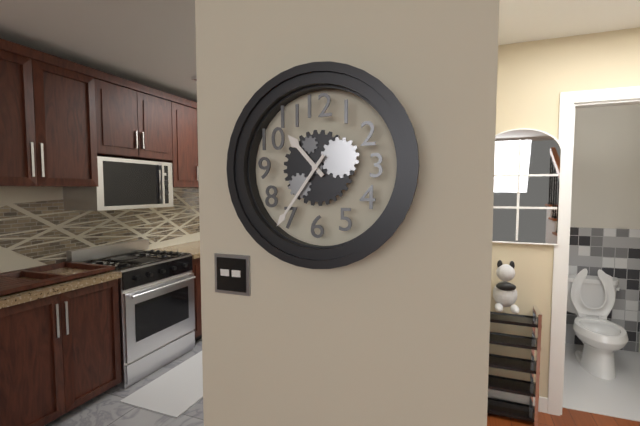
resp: 10,36
